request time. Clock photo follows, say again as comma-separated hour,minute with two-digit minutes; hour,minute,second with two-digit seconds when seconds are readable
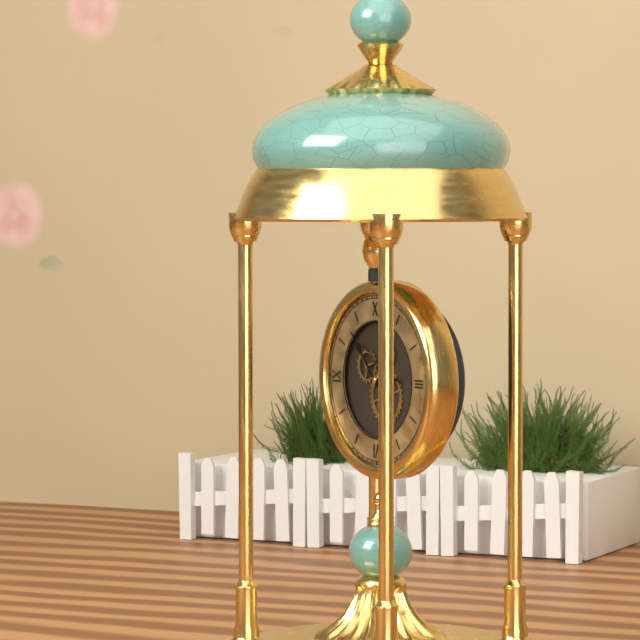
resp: 2,53
